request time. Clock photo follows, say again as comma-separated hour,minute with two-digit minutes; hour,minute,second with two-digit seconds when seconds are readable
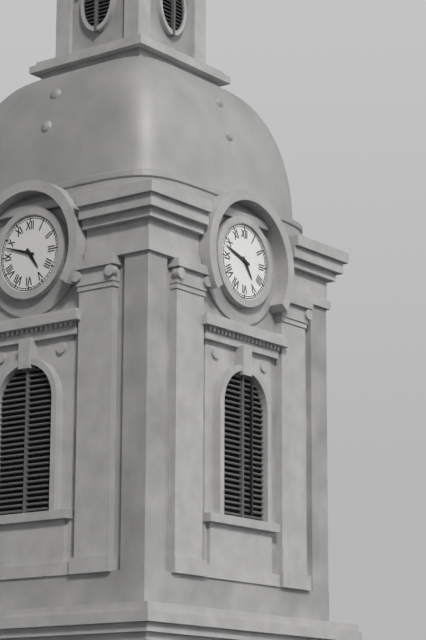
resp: 4,48
